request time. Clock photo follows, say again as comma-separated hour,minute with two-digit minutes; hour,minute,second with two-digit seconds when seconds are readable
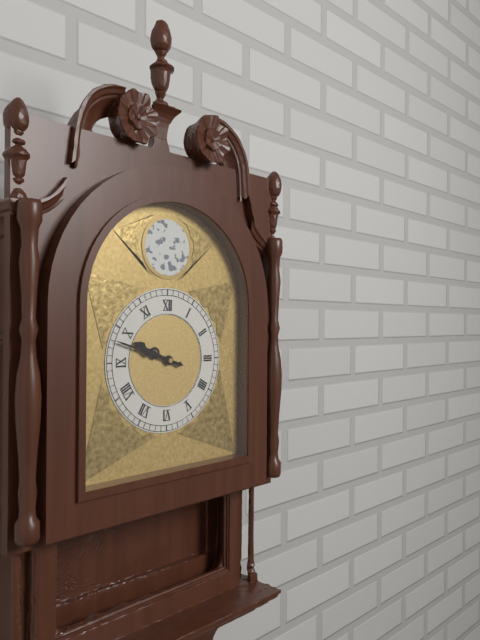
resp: 9,48
